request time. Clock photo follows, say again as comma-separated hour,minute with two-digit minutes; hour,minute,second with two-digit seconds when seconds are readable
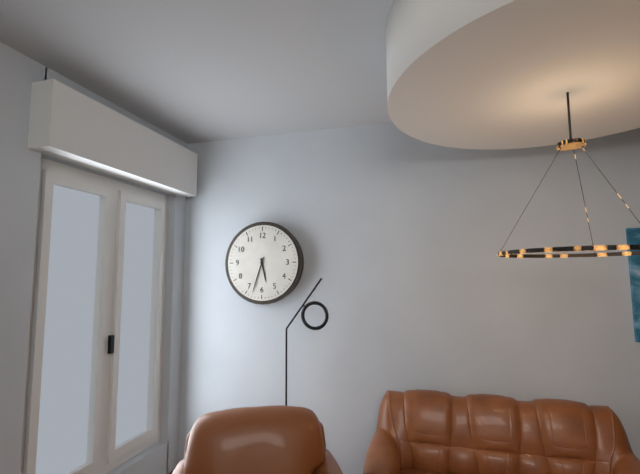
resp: 5,33
